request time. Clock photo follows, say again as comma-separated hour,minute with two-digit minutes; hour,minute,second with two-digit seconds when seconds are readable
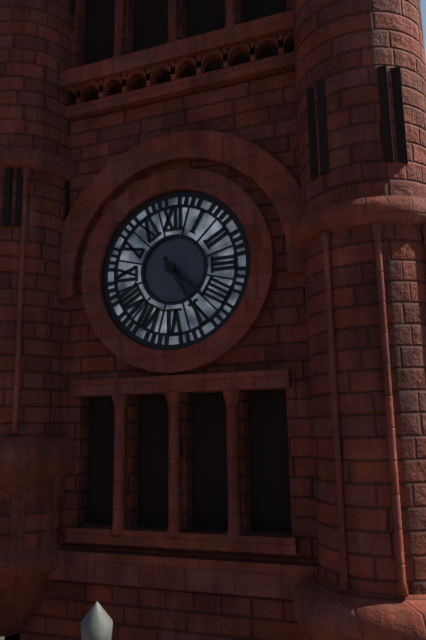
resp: 4,25
